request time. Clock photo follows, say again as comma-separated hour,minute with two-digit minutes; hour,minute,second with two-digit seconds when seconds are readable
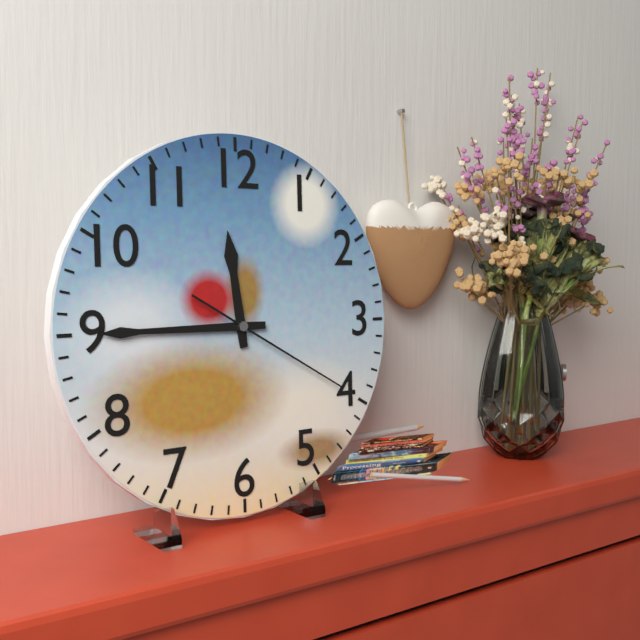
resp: 11,45,20
